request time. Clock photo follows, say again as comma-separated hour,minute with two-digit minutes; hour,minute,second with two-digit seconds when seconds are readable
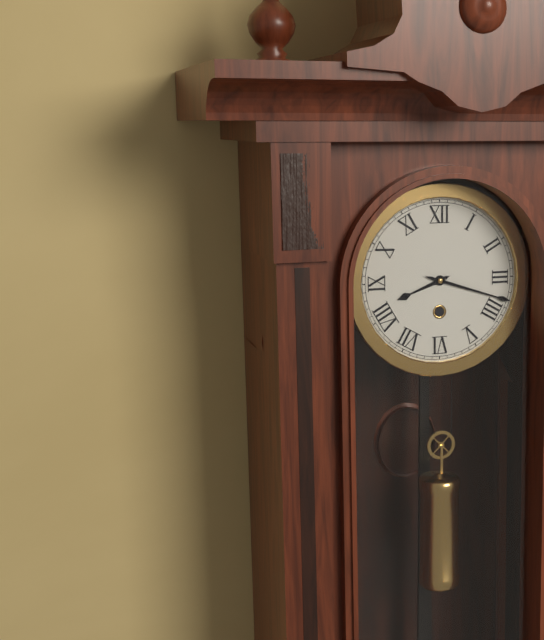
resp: 8,18
